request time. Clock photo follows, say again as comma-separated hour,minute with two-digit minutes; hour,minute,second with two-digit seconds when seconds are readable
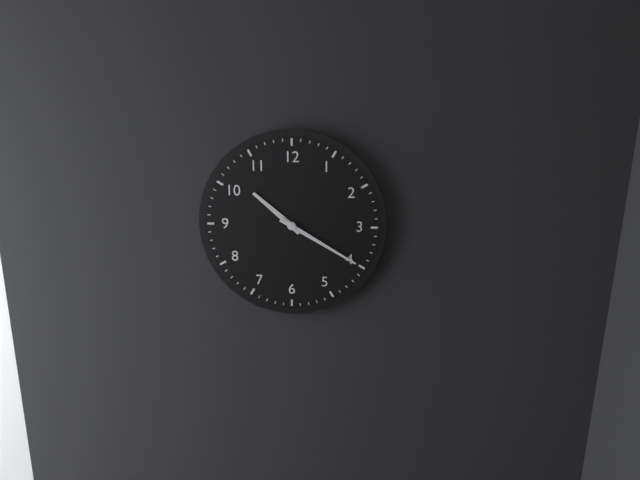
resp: 10,20
